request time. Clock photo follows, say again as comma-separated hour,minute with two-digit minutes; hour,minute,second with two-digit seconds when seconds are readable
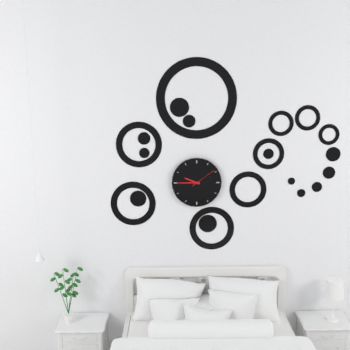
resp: 9,45
